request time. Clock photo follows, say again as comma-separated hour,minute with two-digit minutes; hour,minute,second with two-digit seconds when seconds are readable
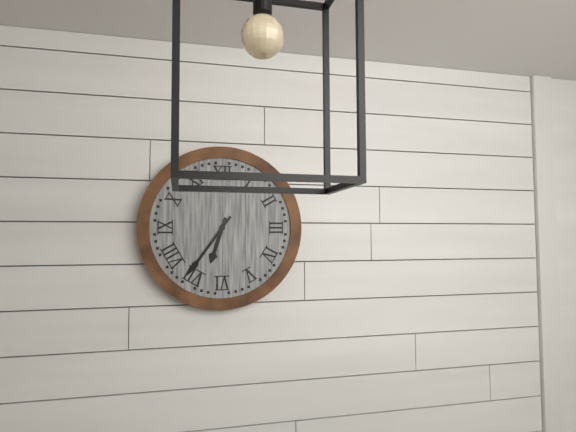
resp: 6,36
